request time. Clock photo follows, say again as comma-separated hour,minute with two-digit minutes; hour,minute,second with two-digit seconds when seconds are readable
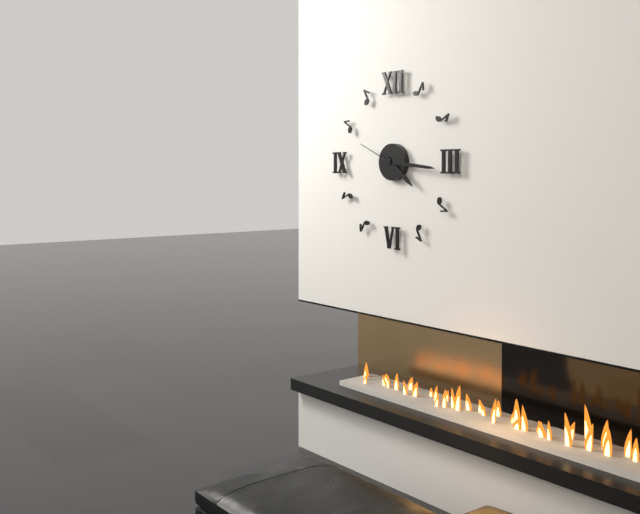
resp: 4,16,49
